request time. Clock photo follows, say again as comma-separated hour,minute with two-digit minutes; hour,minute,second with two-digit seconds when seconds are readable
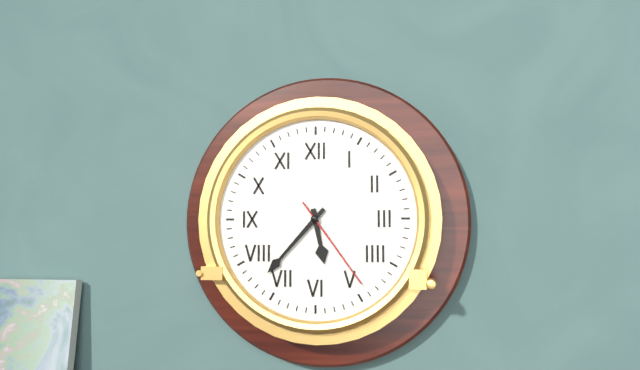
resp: 5,37,24
